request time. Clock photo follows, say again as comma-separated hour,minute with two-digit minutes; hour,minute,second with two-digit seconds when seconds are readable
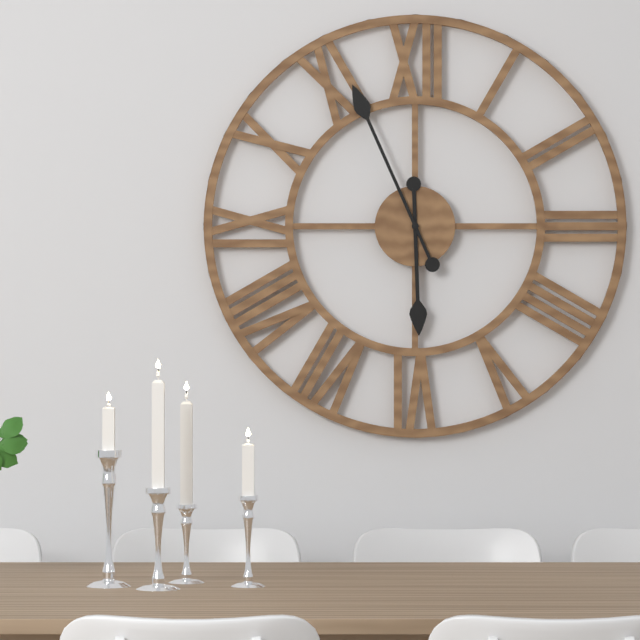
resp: 5,56
